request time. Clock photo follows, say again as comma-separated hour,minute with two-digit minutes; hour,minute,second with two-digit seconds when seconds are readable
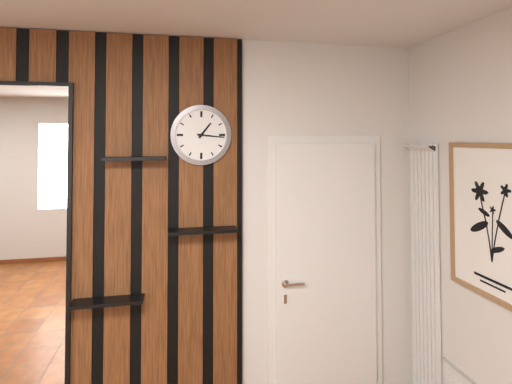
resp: 1,16
